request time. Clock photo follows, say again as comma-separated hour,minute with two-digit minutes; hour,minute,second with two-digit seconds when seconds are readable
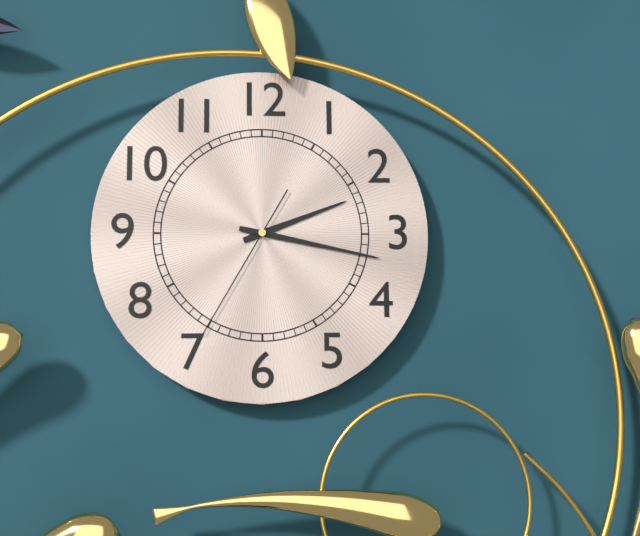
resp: 2,17,35
